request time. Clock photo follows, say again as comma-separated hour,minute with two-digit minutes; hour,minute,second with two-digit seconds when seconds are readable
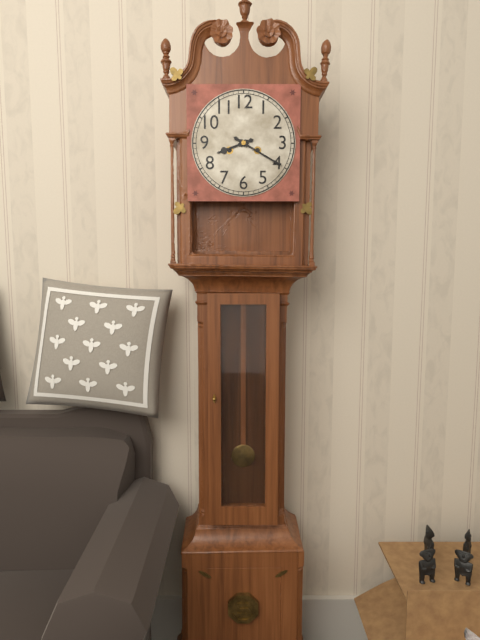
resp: 8,20
